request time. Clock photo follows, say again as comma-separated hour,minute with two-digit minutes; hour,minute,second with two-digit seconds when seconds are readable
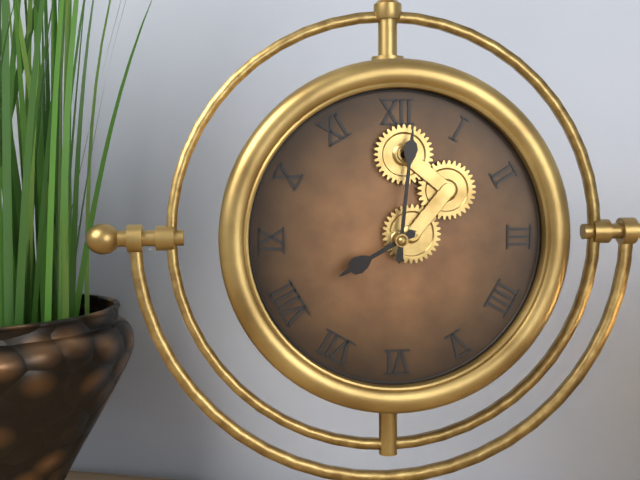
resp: 8,01
